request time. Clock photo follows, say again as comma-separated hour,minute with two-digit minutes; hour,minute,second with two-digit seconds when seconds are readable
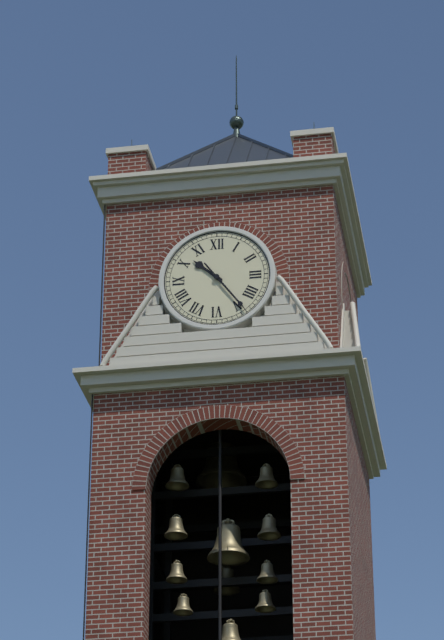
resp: 10,24
